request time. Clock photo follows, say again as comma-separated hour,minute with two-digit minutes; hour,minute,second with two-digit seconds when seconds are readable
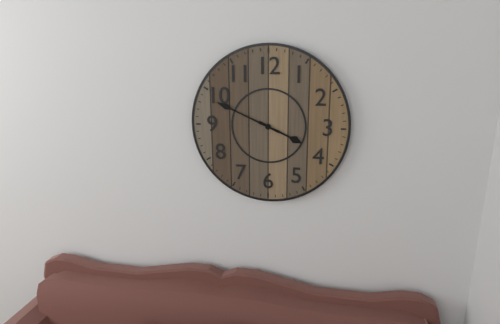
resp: 3,49
